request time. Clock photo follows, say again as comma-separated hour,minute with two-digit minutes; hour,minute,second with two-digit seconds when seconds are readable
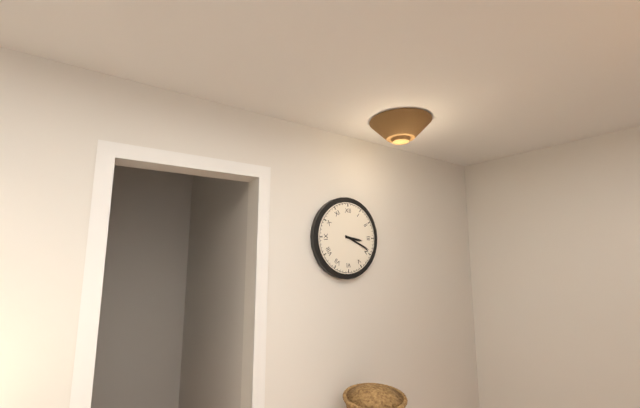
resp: 3,19
